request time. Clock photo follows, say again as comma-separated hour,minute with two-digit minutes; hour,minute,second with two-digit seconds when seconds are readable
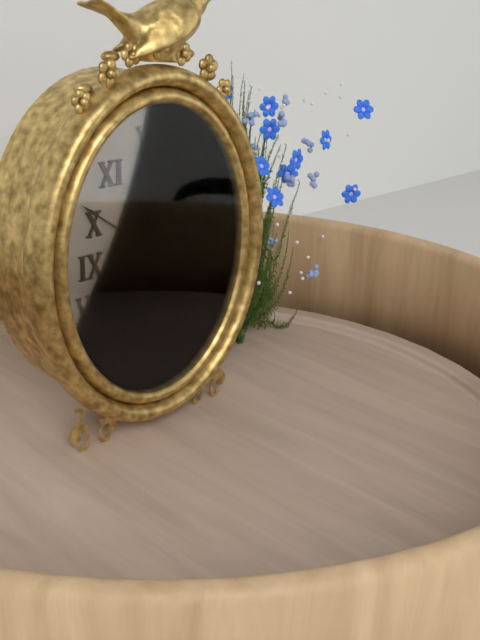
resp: 11,51,20
